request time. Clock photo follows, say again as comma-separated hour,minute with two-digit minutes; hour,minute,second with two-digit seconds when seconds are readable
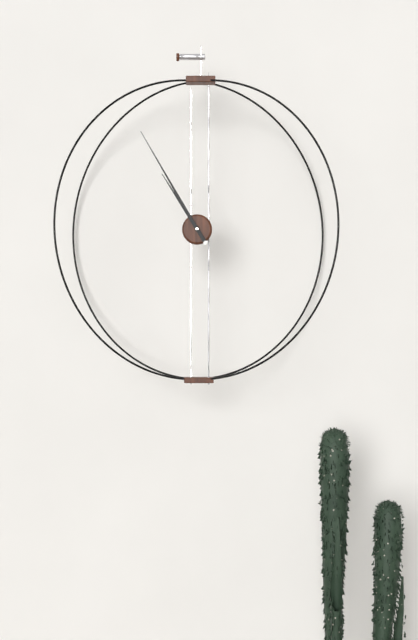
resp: 10,55
